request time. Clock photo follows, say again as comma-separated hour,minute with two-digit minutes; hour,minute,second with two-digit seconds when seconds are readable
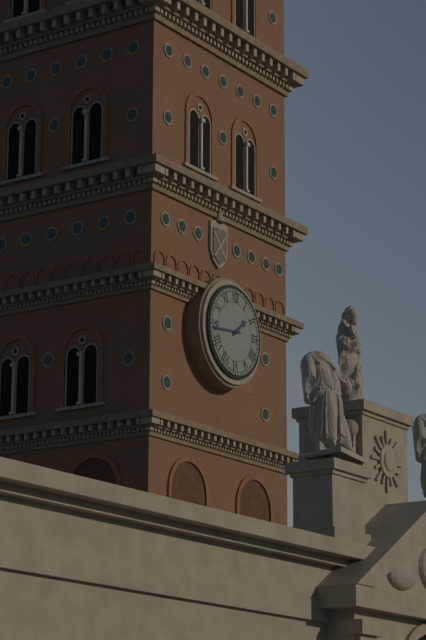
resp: 1,44
